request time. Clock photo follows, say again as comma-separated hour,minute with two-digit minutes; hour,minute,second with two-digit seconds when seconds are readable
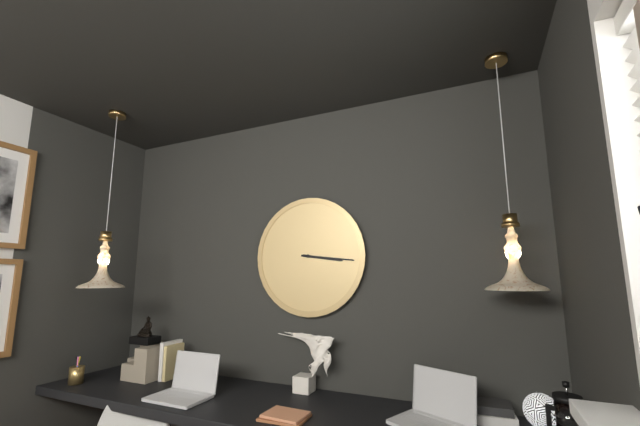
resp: 3,16
